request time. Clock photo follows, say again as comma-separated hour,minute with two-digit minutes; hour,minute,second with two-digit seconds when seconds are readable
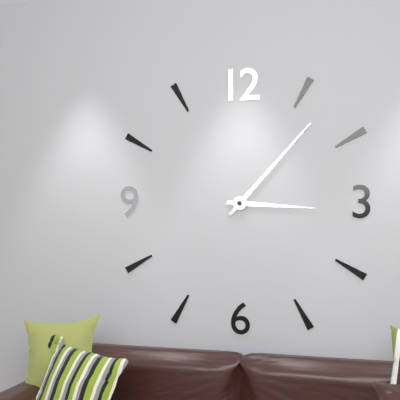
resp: 3,07
